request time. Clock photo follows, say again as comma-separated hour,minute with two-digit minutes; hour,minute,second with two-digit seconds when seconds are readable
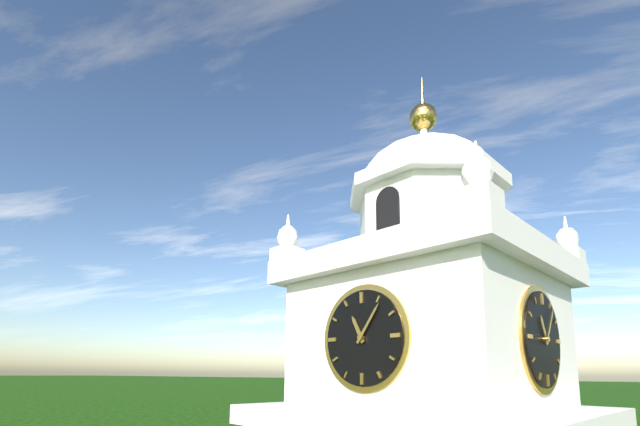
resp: 11,06
